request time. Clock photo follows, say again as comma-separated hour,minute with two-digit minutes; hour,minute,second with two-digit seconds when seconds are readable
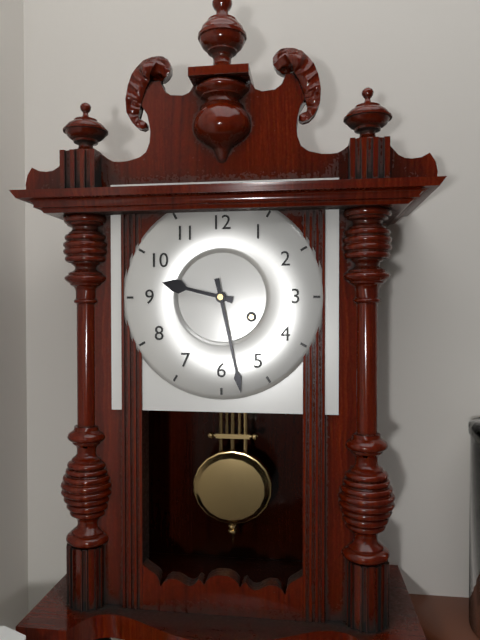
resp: 9,28
